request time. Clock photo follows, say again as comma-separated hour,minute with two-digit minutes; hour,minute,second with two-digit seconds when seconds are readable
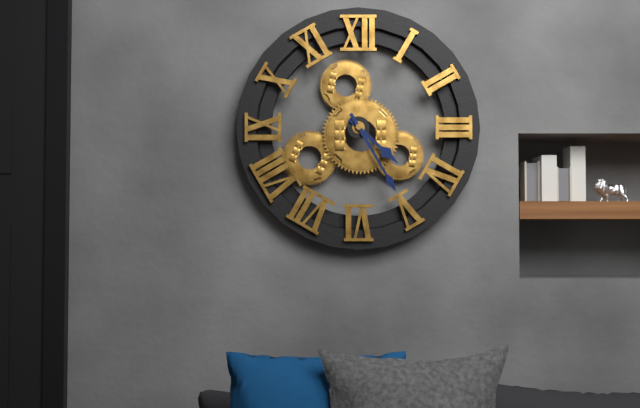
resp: 4,25
